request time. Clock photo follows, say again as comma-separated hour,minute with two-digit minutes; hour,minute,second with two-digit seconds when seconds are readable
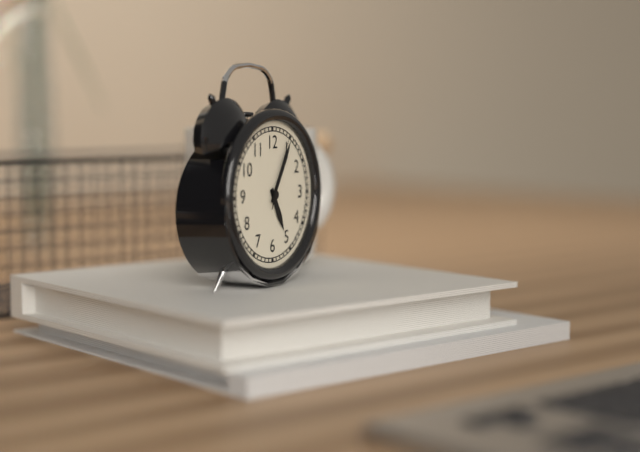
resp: 5,05,04
